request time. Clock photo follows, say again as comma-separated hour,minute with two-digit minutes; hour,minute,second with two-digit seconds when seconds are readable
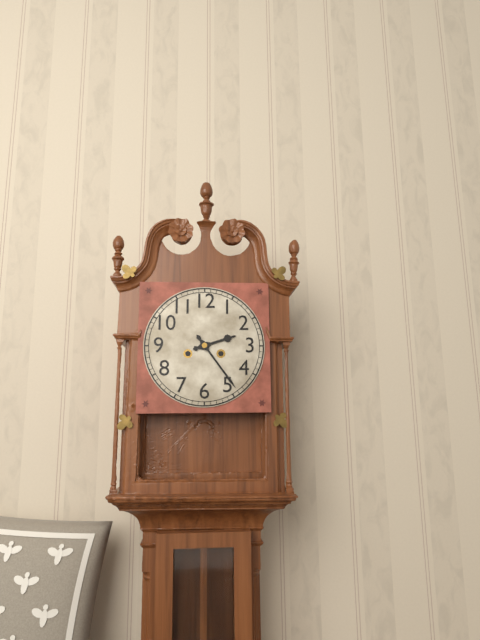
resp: 2,24
